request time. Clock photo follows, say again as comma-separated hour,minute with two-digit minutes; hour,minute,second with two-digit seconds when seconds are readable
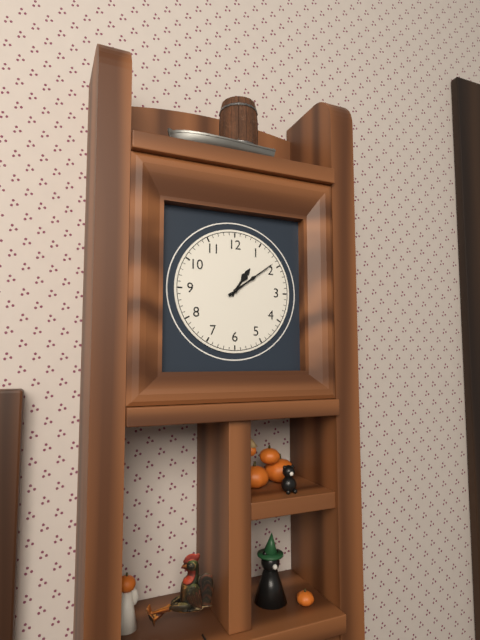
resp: 1,09
